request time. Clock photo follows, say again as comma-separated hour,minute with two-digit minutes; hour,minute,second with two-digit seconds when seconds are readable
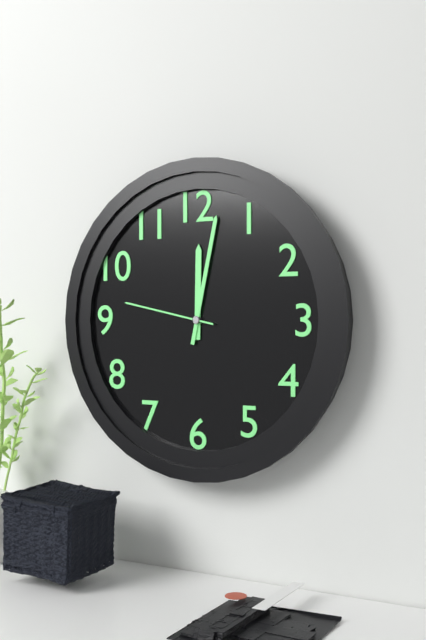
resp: 12,02,47
